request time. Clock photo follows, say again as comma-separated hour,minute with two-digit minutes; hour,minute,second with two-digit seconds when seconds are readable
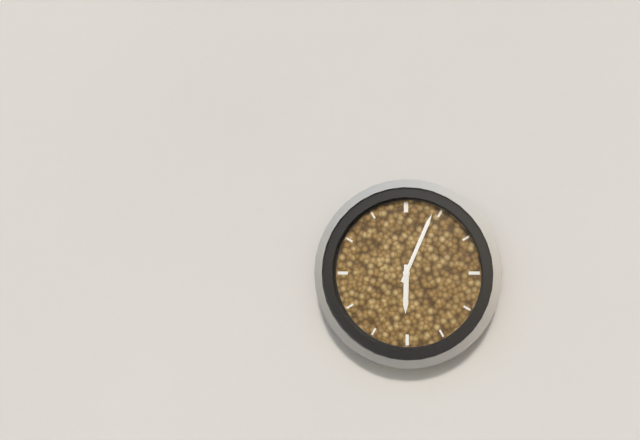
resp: 6,04
